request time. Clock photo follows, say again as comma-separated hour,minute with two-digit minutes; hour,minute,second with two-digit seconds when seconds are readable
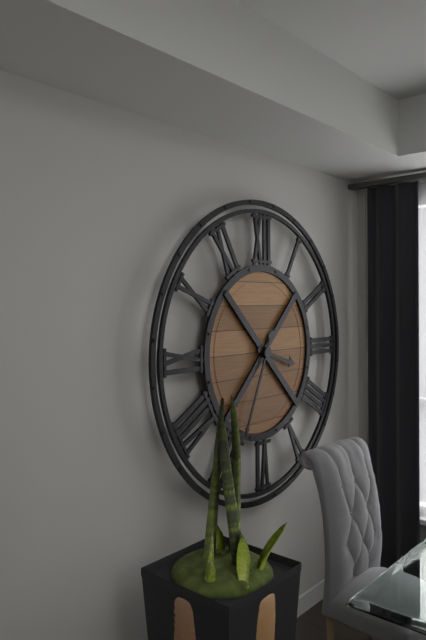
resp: 3,34
